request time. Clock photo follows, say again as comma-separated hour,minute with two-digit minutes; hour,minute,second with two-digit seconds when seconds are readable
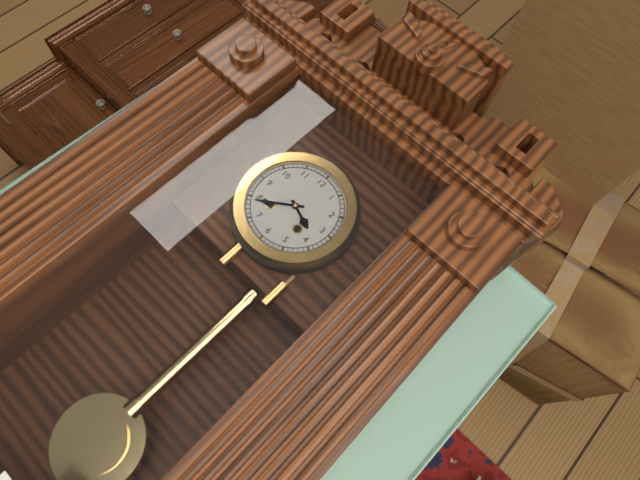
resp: 3,39
